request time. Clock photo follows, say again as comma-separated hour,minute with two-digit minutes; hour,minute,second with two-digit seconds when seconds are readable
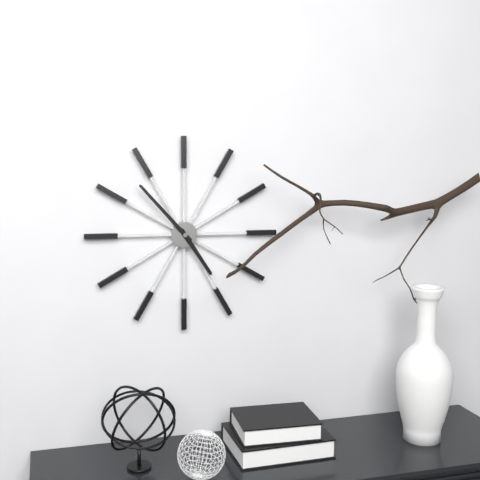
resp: 4,53
